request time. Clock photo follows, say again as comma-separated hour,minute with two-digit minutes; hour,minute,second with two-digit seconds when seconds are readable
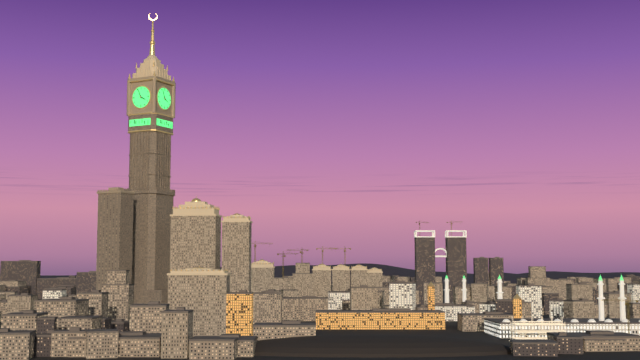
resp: 3,56
